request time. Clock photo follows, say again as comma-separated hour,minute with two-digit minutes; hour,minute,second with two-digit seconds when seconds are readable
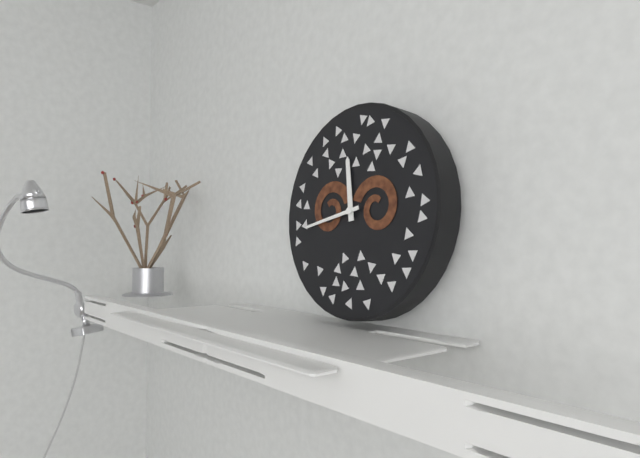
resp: 11,43
